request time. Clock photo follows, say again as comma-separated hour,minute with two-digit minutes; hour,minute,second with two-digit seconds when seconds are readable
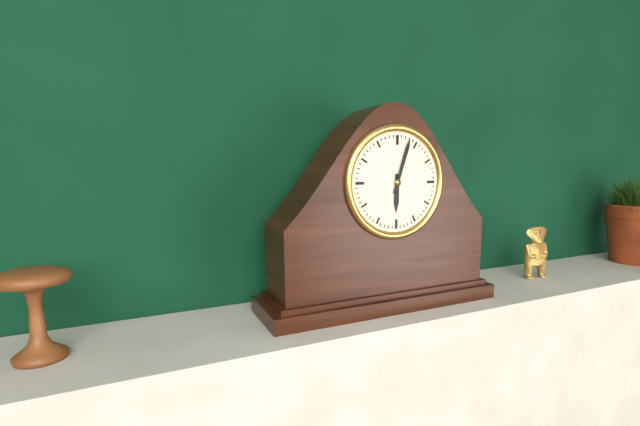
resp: 6,03
